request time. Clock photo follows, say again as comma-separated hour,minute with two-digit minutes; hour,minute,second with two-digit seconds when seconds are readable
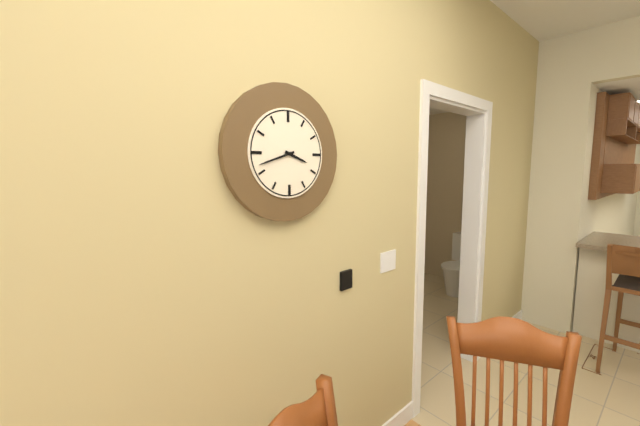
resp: 3,42
